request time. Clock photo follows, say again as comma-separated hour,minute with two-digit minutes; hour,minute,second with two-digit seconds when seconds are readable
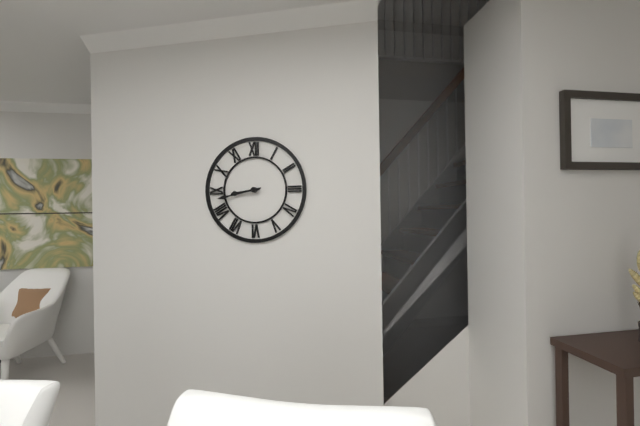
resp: 8,43
